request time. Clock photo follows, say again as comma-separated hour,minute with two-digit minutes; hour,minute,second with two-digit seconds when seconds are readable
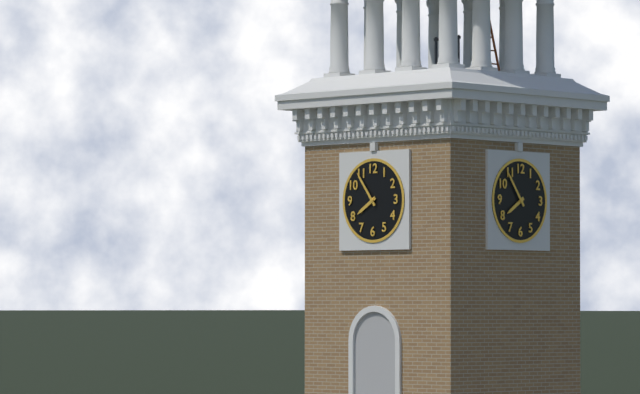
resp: 7,54
